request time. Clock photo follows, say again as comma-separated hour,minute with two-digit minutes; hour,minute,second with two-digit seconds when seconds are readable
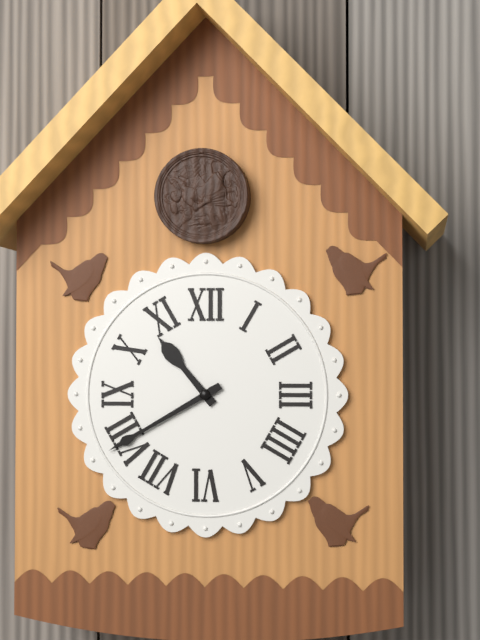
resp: 10,40
